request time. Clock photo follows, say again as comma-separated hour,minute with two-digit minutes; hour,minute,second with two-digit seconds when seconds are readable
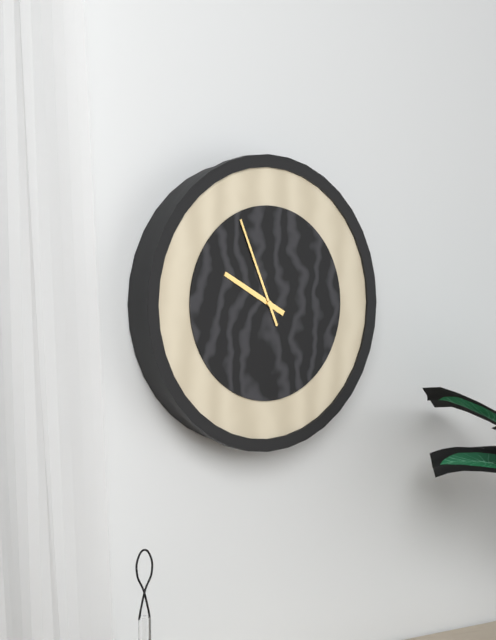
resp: 9,56
